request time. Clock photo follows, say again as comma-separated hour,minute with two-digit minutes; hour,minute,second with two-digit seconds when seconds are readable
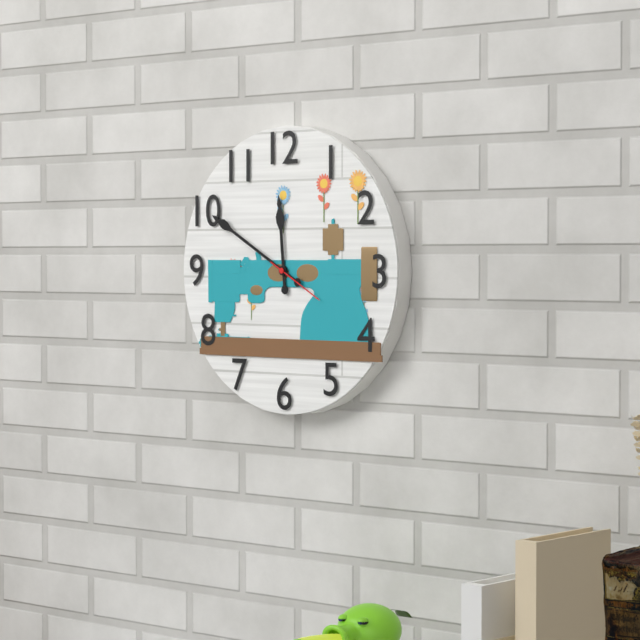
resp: 11,50
